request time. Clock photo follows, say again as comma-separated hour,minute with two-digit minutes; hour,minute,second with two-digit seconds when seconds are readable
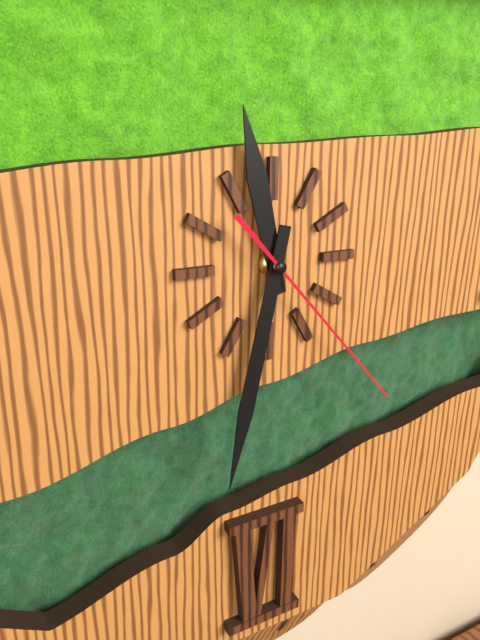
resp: 11,32,23
